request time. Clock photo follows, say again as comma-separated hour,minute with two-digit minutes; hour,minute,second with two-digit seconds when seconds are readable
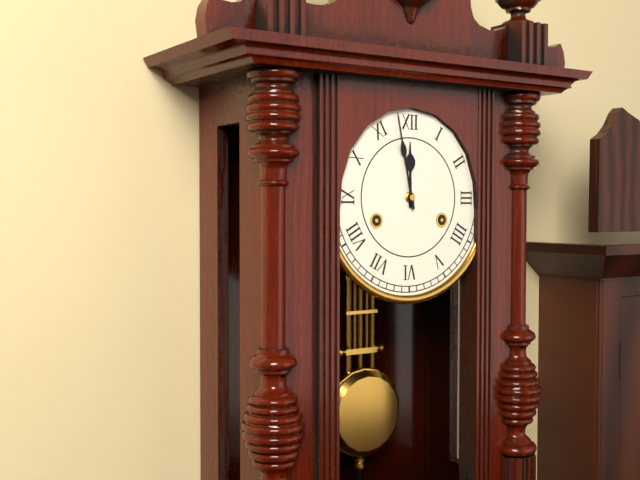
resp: 11,58
